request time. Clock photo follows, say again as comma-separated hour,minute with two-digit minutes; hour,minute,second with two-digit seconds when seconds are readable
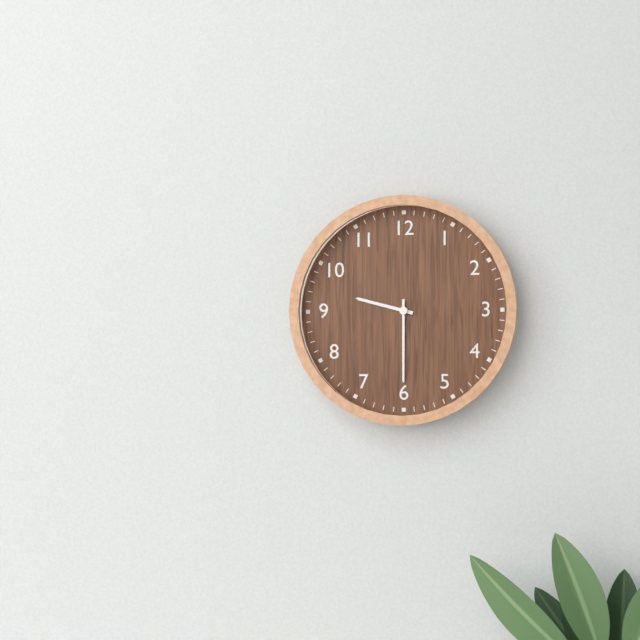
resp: 9,30
